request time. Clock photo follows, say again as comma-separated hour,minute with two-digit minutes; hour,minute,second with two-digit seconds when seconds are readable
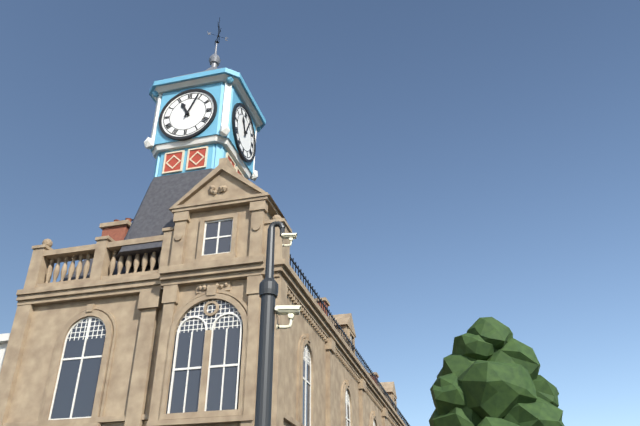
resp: 11,04
